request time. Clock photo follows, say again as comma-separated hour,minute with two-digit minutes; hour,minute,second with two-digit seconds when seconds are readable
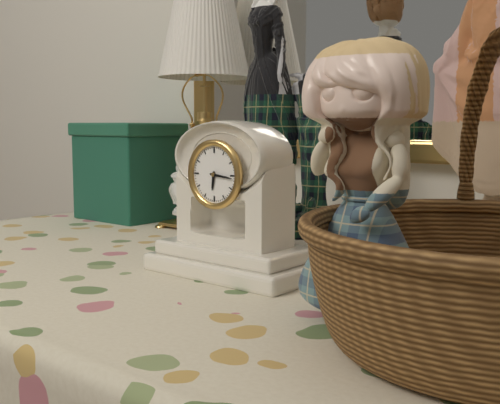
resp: 6,16
